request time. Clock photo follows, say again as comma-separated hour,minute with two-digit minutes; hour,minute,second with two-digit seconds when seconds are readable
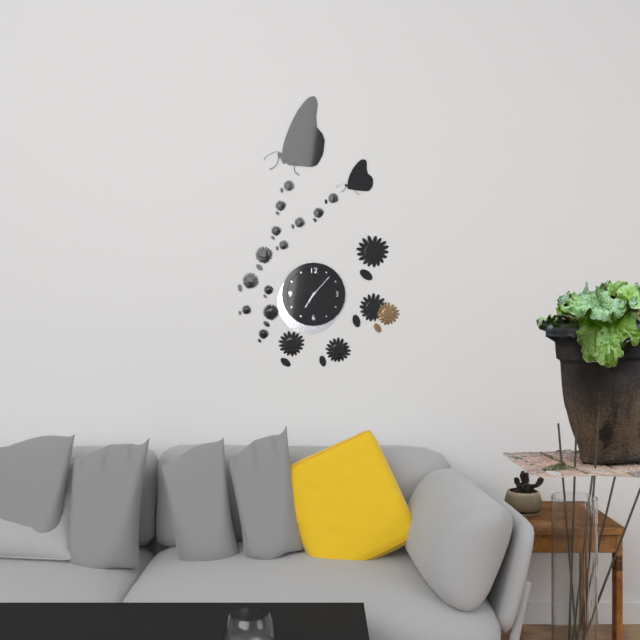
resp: 7,07
